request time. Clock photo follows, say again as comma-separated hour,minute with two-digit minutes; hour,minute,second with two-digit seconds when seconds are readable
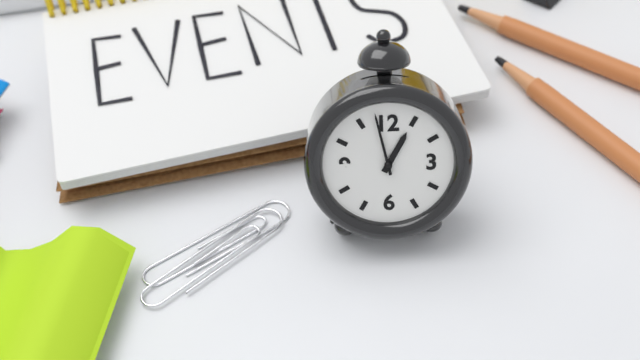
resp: 12,58
